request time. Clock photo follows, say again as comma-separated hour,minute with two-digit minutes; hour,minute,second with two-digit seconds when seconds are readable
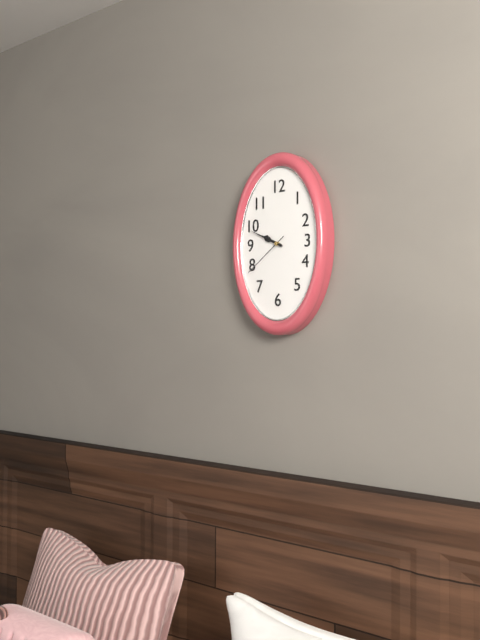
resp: 9,49,39
